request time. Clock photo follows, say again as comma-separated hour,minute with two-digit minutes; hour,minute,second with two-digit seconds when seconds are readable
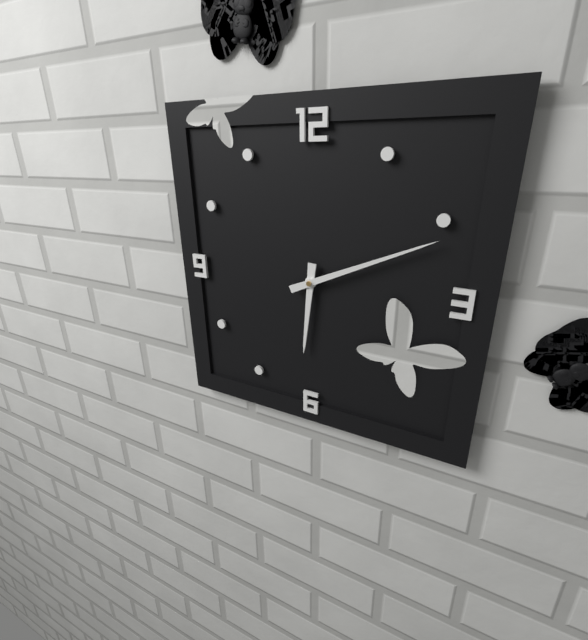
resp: 6,11
